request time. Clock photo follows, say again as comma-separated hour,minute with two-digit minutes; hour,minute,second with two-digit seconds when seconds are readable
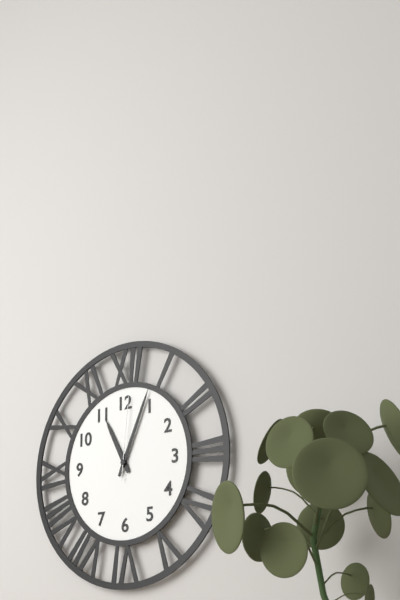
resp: 11,04,01
